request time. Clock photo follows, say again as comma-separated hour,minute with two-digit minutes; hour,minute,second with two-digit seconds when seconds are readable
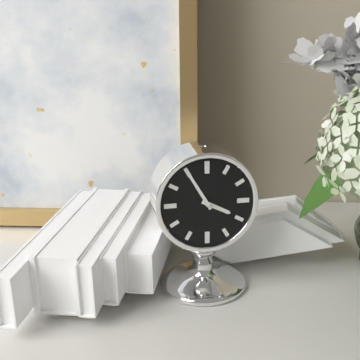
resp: 3,55
